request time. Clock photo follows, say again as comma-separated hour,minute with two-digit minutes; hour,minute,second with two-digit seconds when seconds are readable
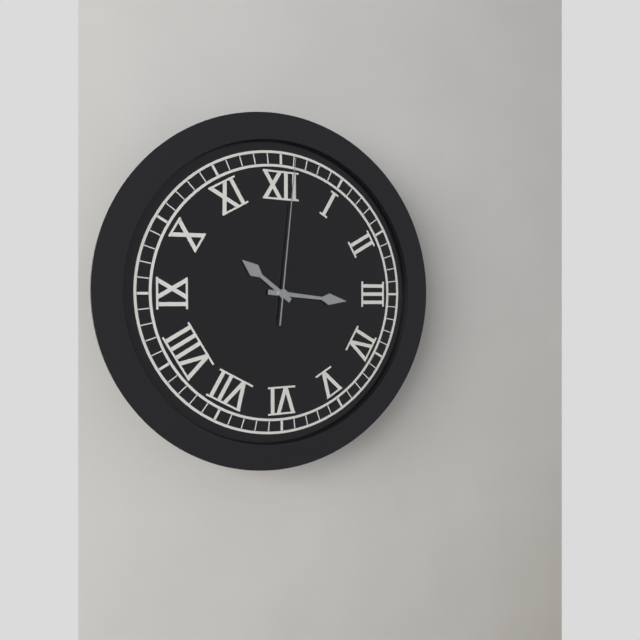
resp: 10,16,01
